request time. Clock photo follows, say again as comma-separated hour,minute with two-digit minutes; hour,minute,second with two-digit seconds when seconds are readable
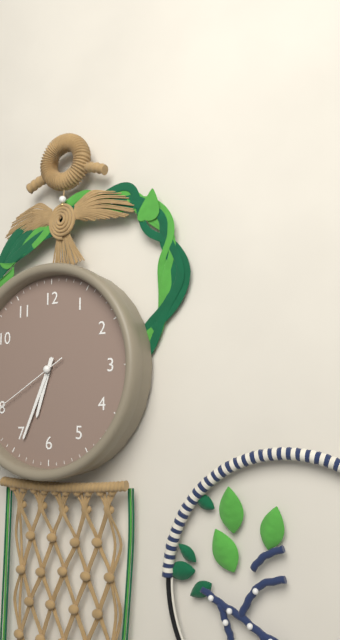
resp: 6,34
